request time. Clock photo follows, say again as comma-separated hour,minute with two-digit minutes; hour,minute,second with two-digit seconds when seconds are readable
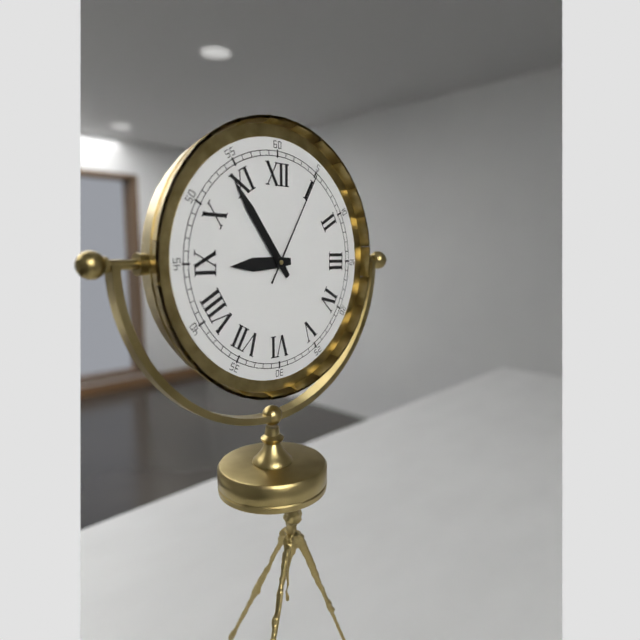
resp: 8,54,05
